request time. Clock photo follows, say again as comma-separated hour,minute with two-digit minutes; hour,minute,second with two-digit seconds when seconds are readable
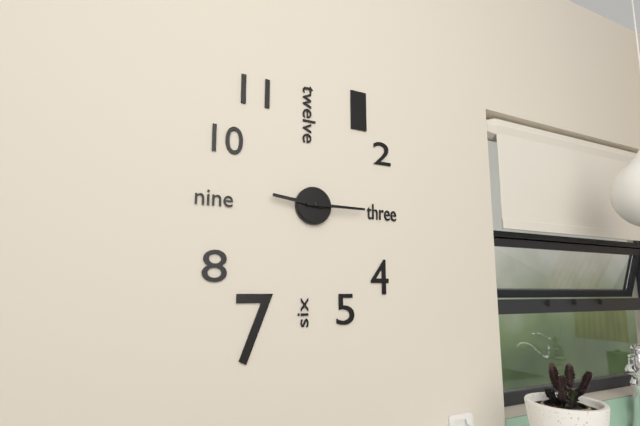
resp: 9,15
